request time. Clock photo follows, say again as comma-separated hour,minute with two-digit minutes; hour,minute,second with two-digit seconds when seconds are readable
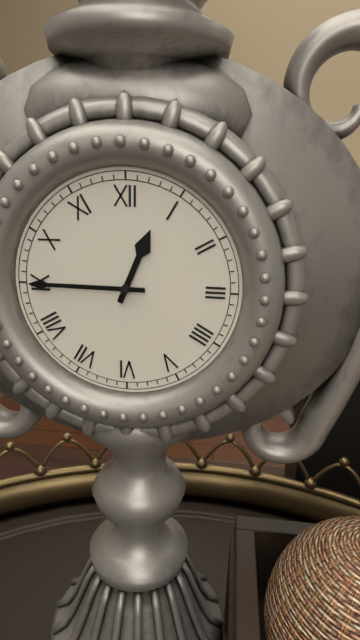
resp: 12,45
